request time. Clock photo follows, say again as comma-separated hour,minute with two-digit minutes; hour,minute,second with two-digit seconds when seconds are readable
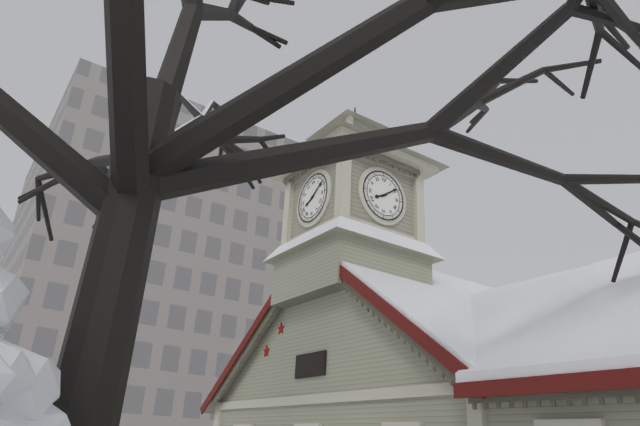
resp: 8,09
